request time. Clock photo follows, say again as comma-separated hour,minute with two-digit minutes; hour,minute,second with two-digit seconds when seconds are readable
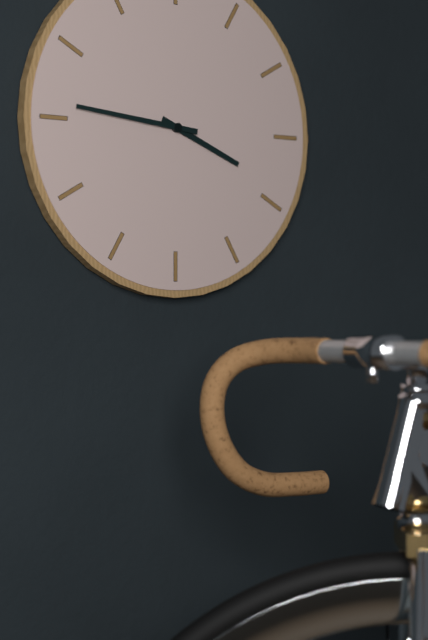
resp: 3,46
